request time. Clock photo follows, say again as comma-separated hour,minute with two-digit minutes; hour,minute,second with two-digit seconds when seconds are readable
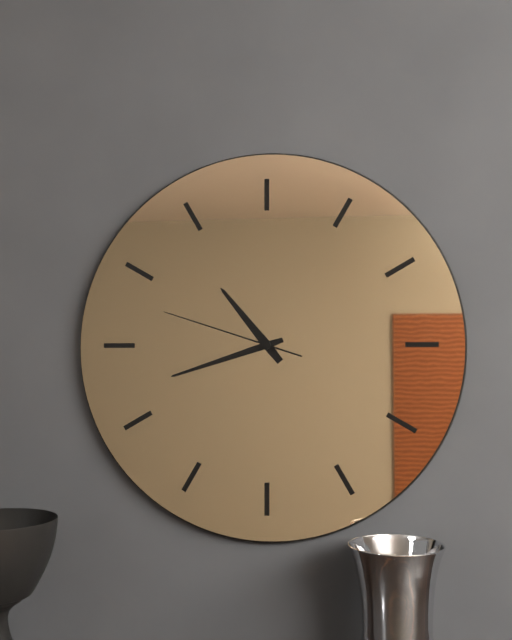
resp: 10,42,48
